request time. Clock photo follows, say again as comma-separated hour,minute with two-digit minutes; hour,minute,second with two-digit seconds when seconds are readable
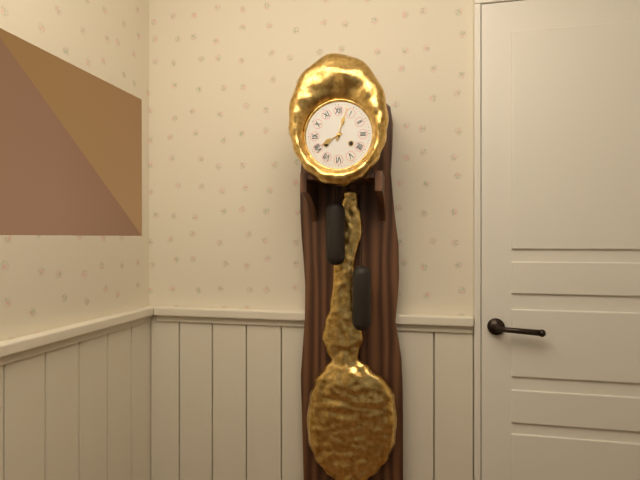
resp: 8,03
